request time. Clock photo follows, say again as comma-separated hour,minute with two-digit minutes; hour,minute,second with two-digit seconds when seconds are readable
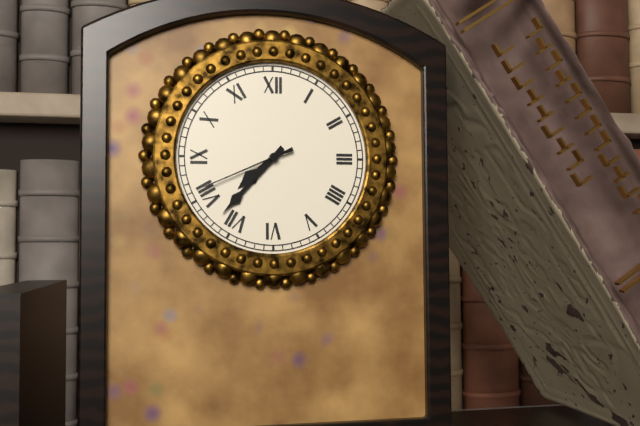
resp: 7,37,41
